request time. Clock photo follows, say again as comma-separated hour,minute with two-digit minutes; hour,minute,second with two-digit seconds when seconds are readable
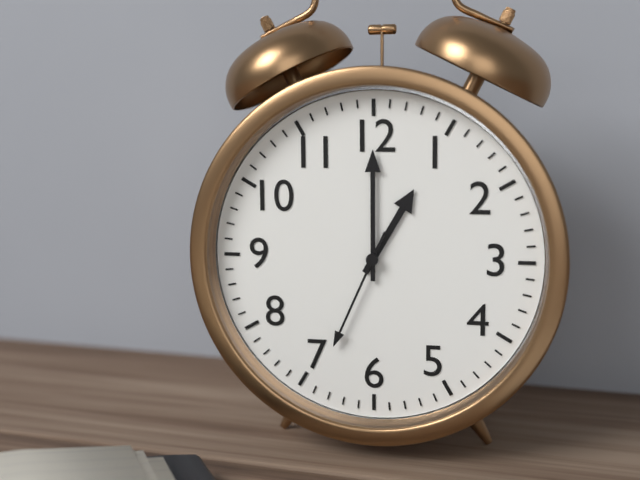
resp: 1,00,34
